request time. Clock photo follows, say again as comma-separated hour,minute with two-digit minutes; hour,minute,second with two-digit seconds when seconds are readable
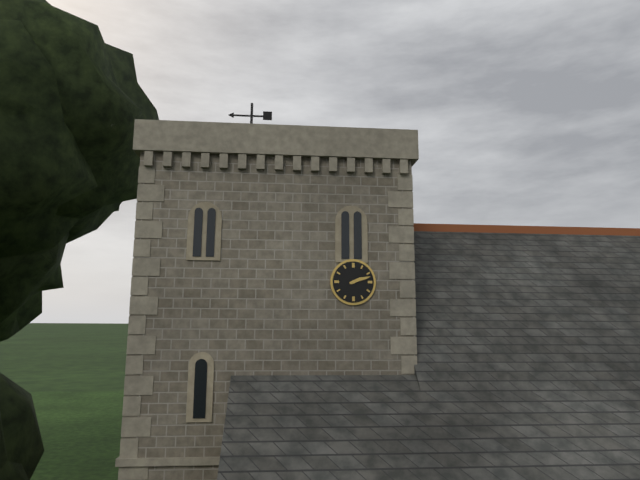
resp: 2,12
